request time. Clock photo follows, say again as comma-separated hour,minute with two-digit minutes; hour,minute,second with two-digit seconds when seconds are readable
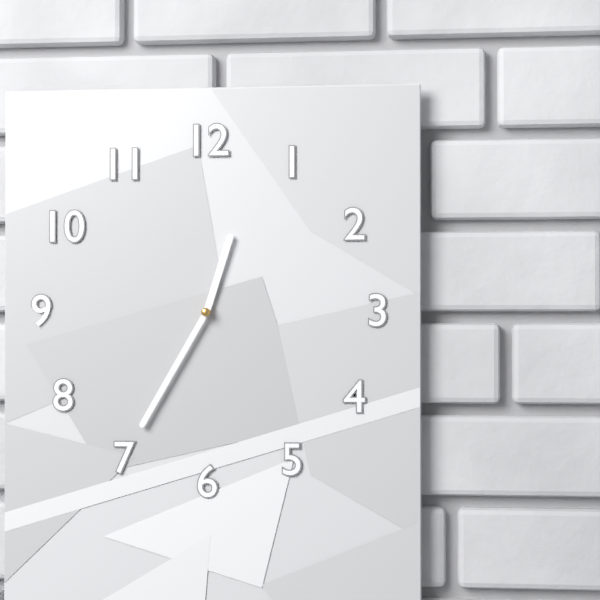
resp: 12,35
